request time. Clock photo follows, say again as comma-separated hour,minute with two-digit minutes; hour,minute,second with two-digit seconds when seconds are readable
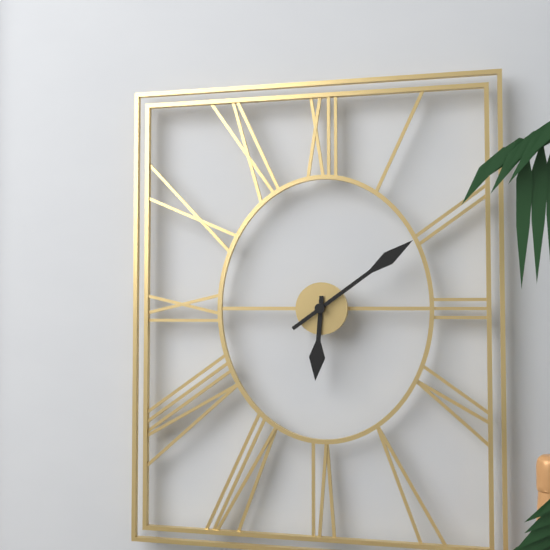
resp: 6,09
